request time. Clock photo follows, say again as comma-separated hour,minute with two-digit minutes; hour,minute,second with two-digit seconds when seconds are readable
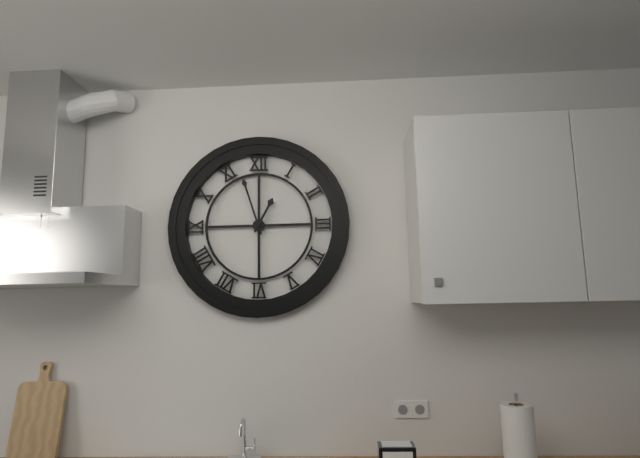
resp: 12,57
